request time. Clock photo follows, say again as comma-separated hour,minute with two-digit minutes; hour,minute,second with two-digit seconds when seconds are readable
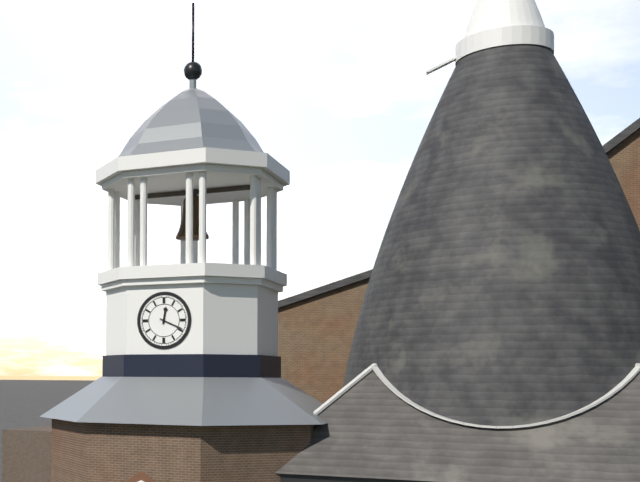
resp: 12,19
